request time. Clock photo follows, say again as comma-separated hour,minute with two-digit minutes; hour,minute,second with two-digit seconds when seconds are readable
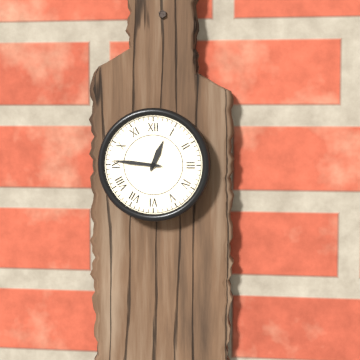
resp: 12,46
